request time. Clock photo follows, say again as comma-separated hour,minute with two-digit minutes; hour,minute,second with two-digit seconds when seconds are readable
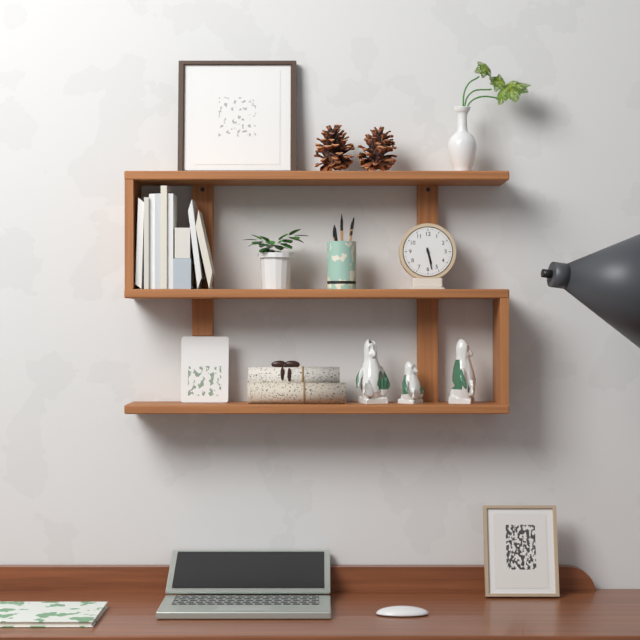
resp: 5,28
